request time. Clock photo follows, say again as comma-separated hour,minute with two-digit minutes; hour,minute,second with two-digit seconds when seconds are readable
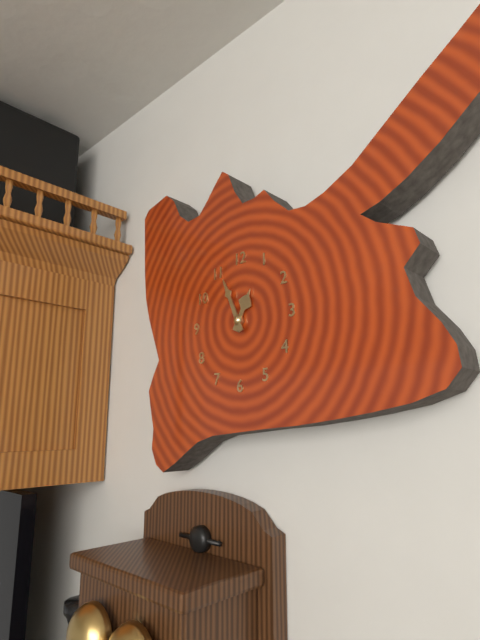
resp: 12,56
